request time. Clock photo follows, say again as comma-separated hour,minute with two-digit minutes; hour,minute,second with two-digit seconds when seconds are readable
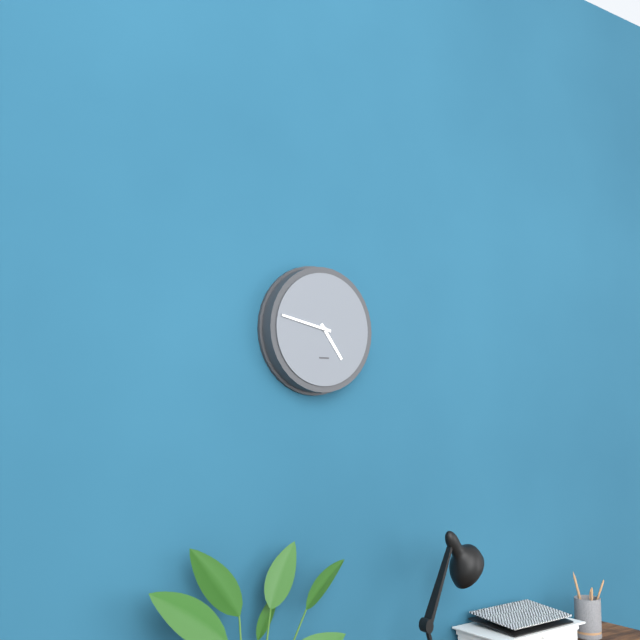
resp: 4,47
